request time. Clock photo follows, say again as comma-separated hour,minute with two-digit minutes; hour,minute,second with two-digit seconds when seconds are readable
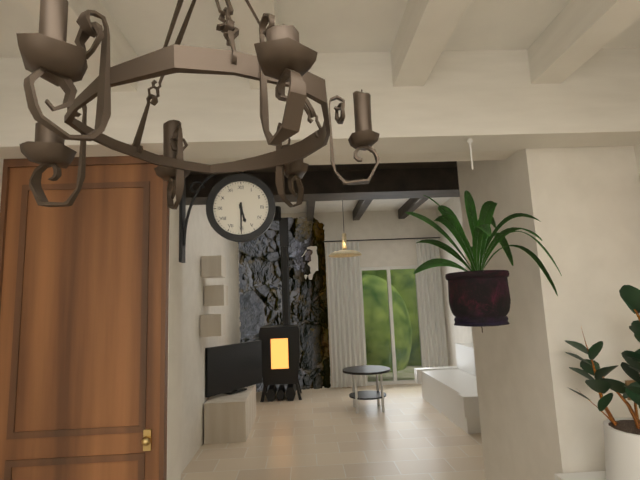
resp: 5,30
